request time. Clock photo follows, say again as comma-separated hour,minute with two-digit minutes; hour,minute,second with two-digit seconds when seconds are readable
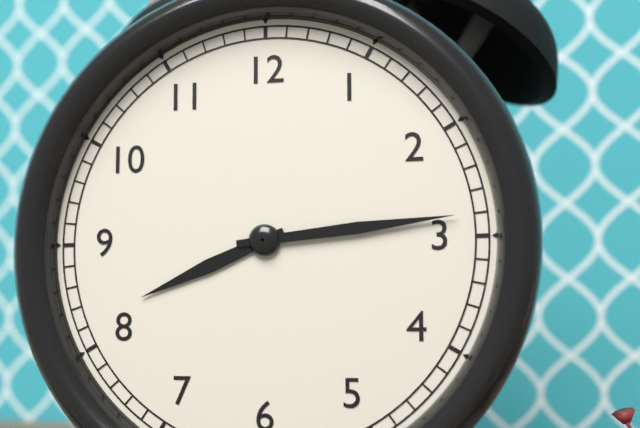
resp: 8,14
